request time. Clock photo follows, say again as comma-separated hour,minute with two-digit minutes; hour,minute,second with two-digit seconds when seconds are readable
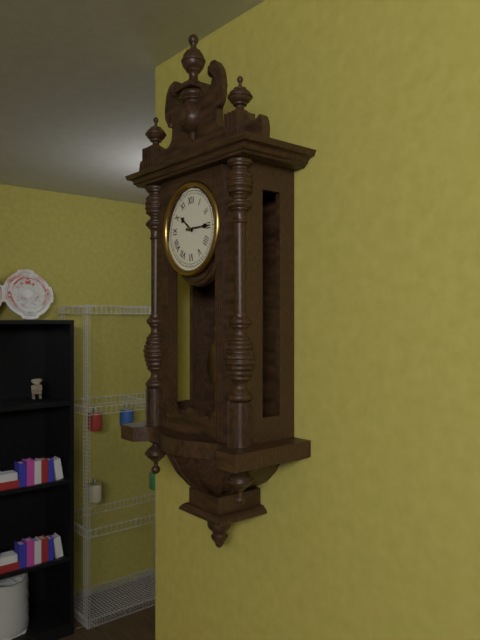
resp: 10,15
